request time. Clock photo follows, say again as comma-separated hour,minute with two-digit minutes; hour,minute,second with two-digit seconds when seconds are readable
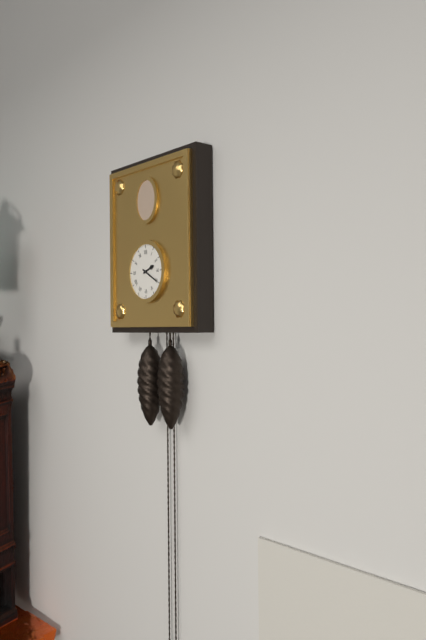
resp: 2,20
